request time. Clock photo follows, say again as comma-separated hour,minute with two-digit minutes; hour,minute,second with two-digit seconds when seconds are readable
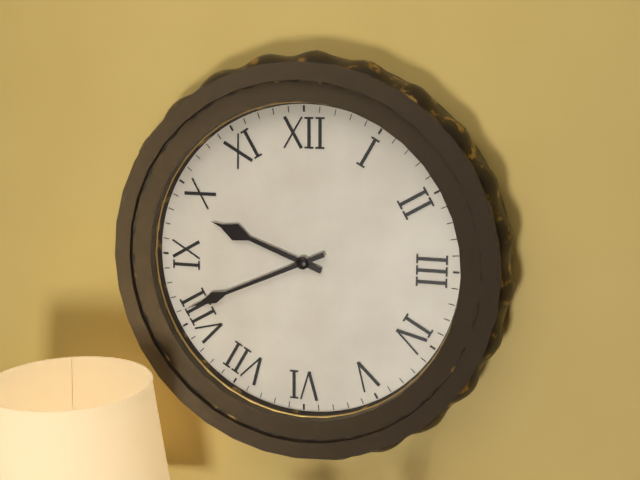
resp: 9,41
